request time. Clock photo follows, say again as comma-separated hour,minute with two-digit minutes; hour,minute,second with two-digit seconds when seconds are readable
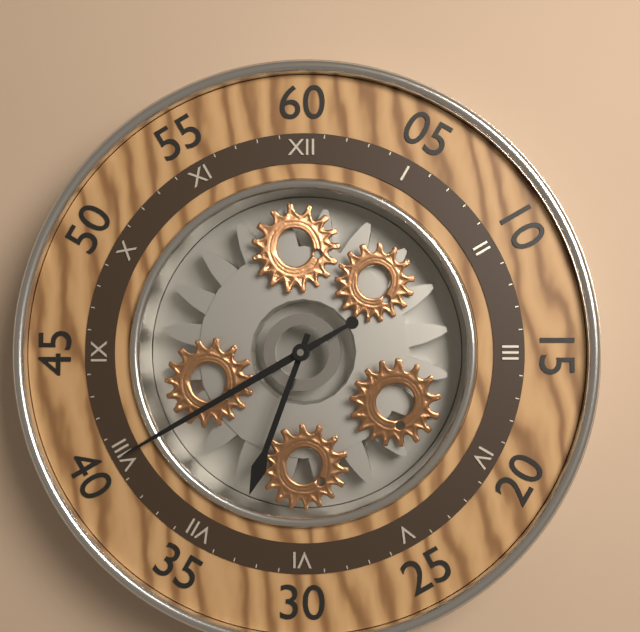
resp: 6,40
